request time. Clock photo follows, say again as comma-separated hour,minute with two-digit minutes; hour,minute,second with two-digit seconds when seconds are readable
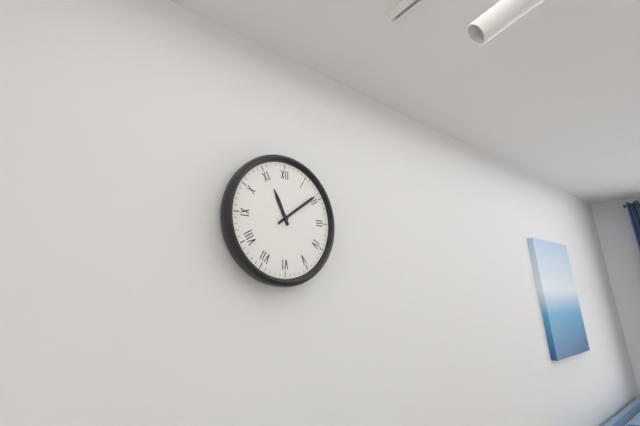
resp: 11,09
